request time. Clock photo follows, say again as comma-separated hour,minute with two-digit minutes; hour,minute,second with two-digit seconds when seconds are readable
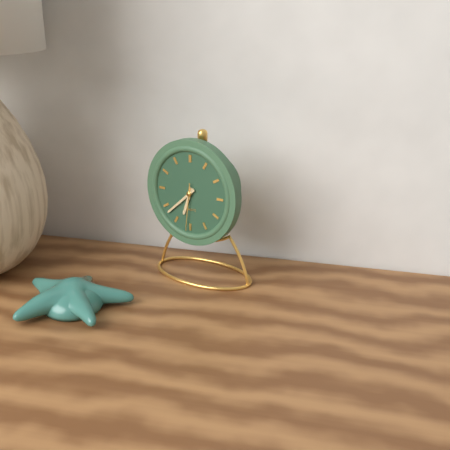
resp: 6,38,31
